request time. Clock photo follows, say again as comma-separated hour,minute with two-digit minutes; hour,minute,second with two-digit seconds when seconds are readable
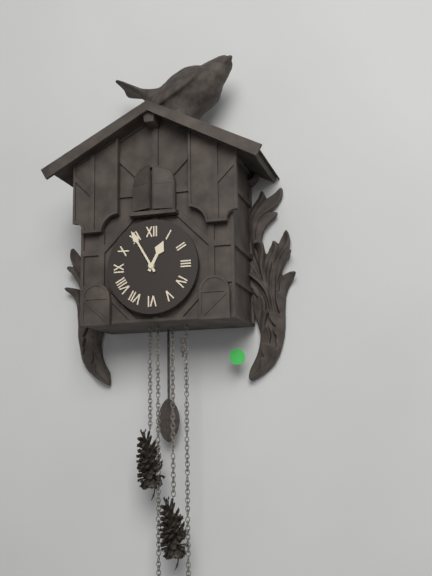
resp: 12,55
